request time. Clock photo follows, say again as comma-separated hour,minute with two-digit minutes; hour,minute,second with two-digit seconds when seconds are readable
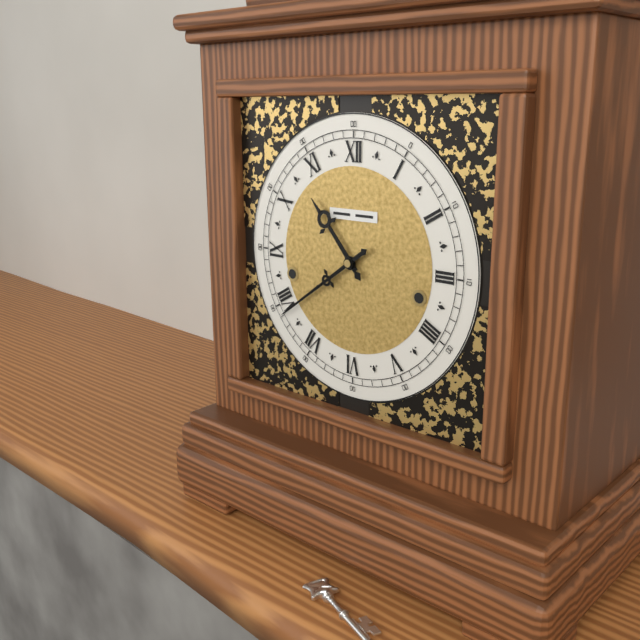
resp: 10,39
